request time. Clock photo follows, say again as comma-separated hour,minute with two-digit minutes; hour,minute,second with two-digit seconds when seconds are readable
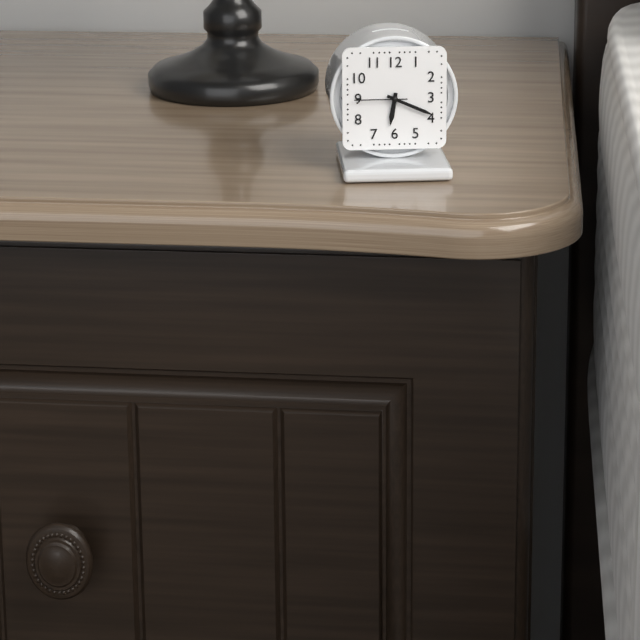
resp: 6,19,45
